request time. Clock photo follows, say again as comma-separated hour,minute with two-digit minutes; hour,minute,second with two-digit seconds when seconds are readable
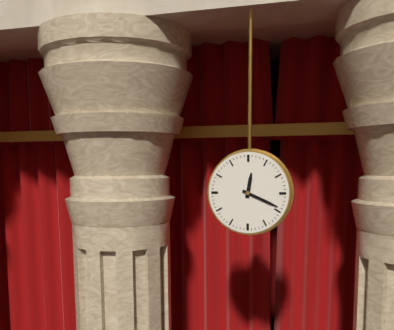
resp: 12,19
